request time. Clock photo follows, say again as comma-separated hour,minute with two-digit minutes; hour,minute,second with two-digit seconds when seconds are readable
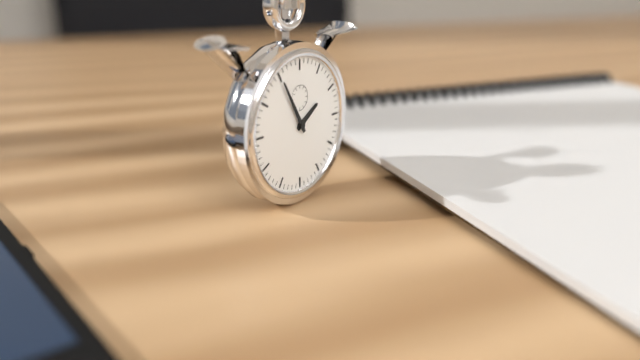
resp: 1,55
